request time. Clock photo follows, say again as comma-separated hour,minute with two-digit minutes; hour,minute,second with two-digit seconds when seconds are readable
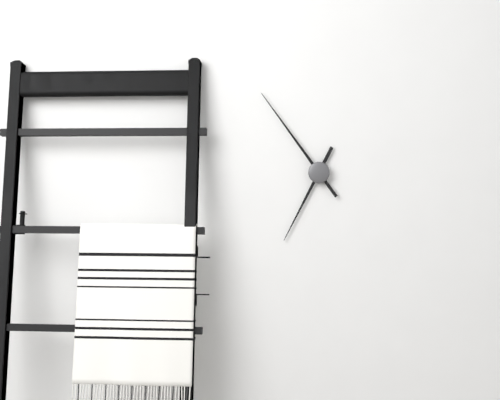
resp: 6,54
